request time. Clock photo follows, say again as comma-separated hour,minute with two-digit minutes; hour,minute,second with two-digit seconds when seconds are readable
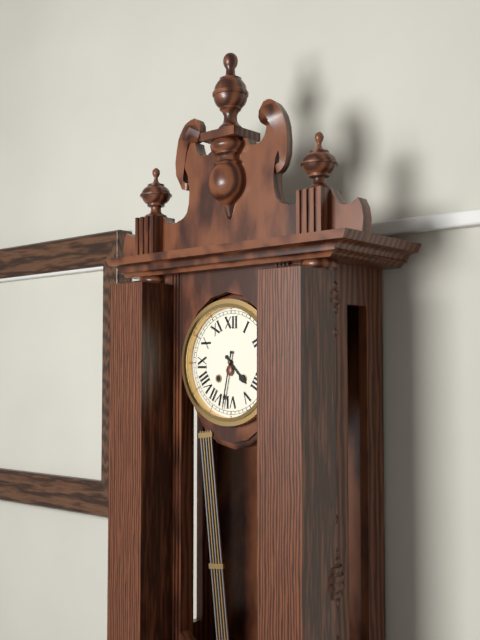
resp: 4,32
